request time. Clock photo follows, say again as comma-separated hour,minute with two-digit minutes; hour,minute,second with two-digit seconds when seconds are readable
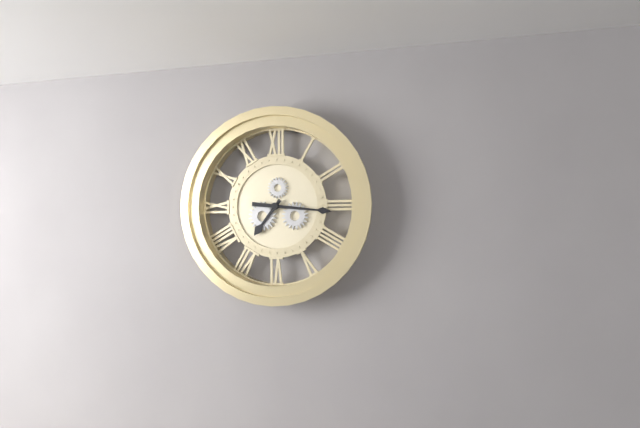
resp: 7,16
